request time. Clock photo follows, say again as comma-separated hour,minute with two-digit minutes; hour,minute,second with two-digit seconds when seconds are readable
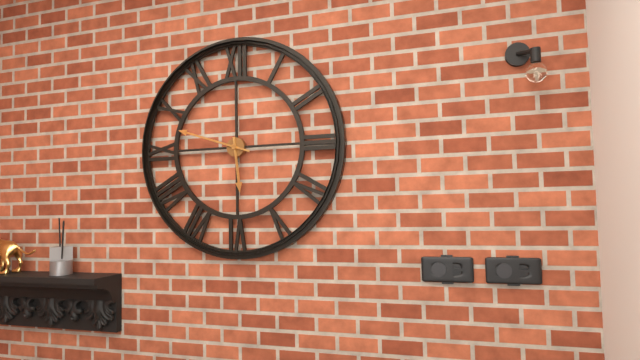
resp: 5,48
